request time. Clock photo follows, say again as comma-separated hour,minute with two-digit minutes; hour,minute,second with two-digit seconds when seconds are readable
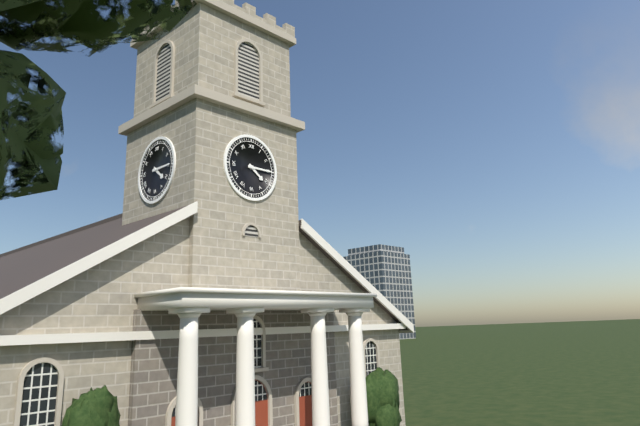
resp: 4,15
